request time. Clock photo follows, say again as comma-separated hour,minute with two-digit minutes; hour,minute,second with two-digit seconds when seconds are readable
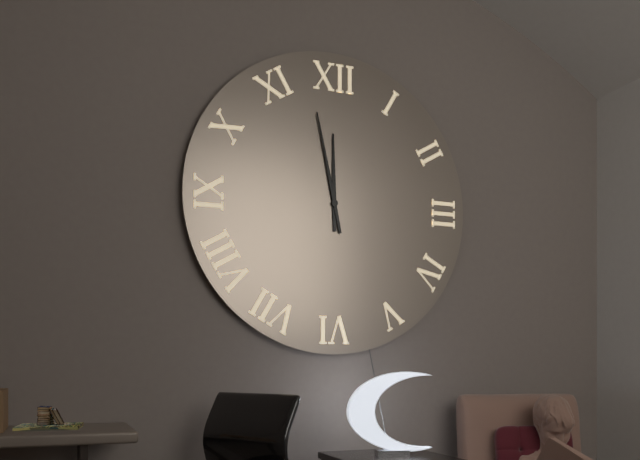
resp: 11,58
